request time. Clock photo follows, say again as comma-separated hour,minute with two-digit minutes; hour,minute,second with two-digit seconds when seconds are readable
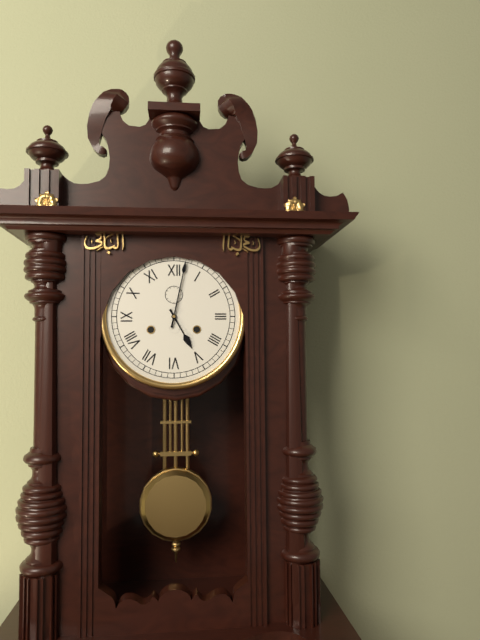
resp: 5,02
